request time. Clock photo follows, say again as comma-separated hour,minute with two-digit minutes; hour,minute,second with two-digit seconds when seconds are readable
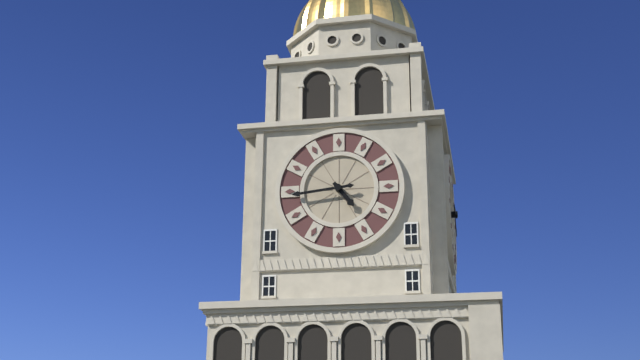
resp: 4,44
